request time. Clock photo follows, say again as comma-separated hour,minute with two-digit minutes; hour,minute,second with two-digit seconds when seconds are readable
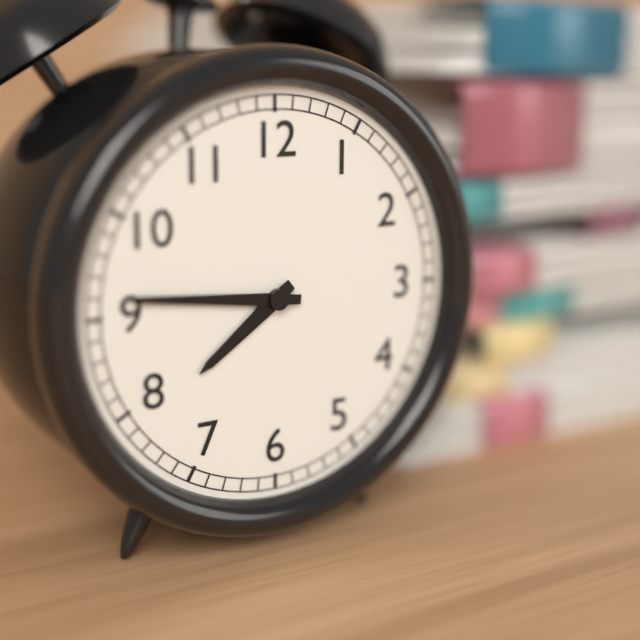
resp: 7,46
